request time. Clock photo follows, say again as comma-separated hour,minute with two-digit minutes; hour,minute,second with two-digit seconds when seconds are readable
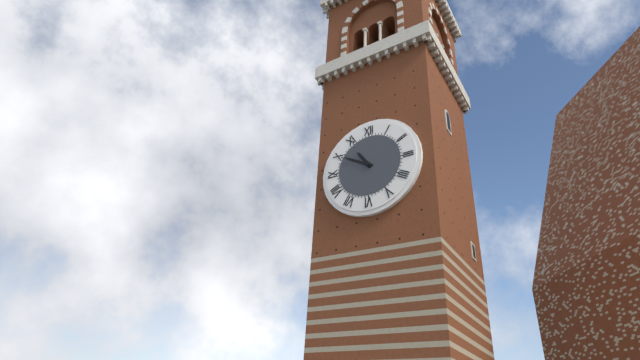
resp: 10,50
